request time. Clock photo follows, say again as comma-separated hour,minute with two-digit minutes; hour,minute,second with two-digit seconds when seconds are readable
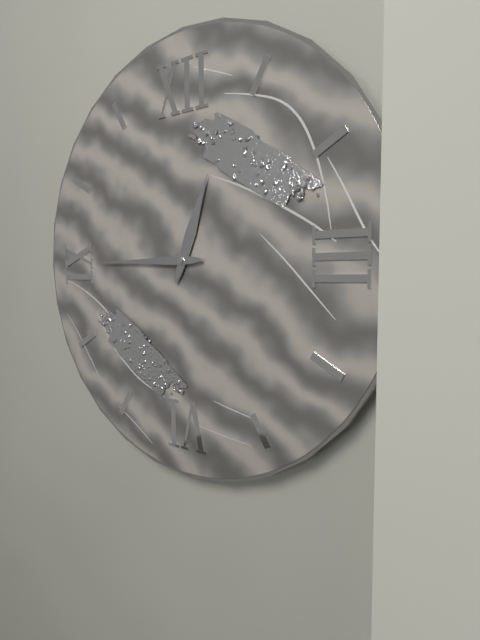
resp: 12,45
